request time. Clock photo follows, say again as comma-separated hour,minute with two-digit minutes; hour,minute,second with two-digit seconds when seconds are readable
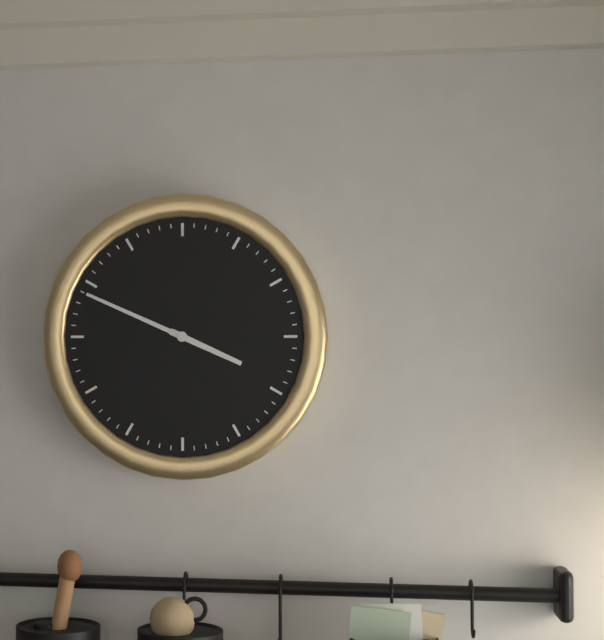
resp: 3,49
